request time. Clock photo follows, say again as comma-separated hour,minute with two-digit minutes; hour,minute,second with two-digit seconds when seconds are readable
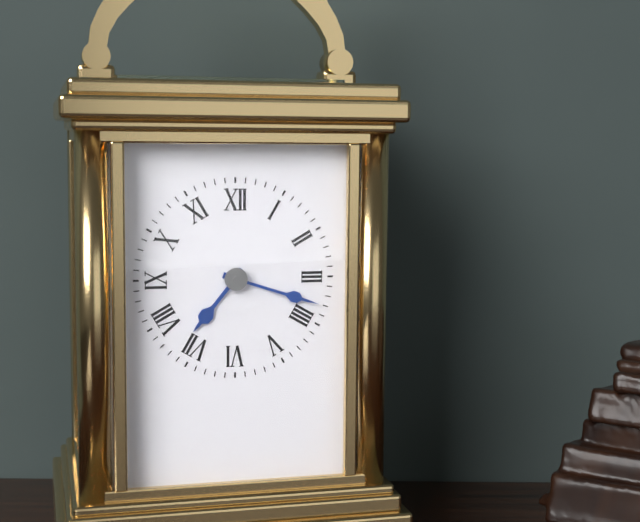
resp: 7,18
